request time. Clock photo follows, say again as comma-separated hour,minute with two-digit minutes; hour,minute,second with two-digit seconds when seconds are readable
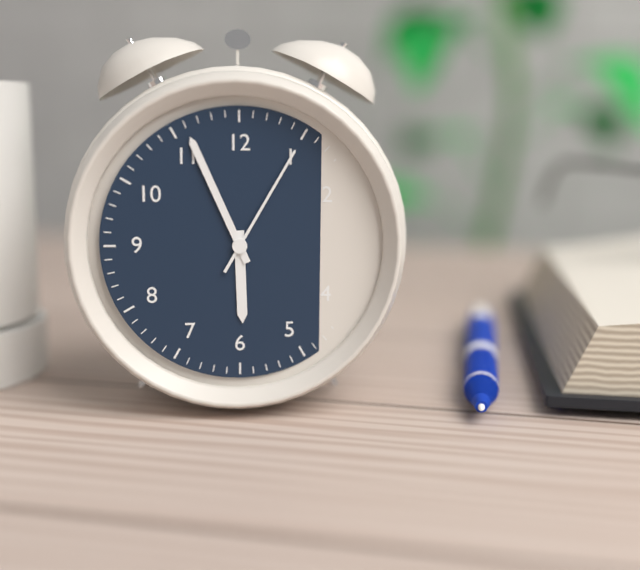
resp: 5,56,05
